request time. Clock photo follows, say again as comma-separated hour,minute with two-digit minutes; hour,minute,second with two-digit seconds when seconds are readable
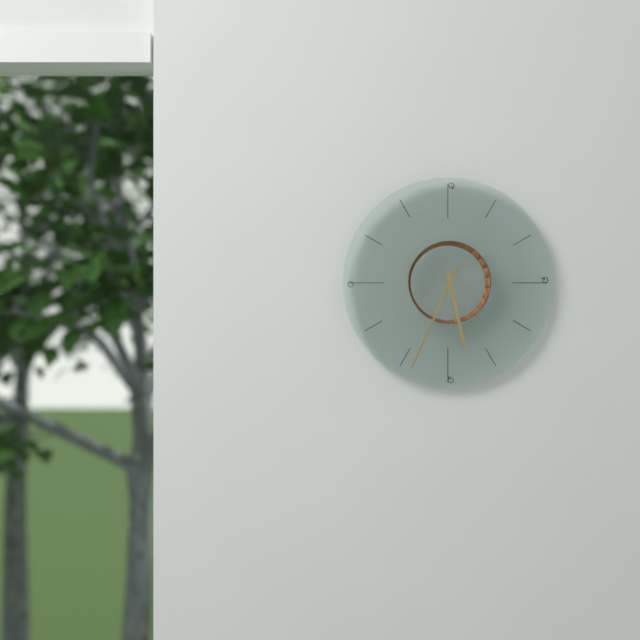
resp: 5,34
